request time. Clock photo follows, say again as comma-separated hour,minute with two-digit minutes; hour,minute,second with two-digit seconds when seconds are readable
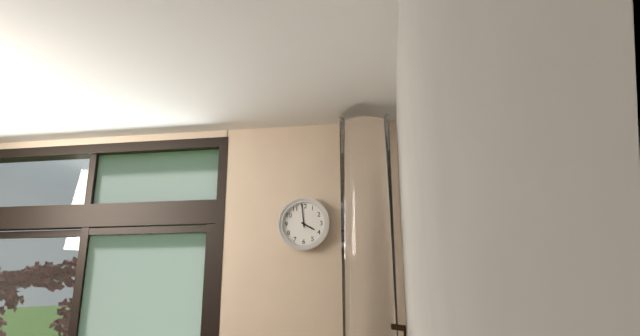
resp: 3,59
